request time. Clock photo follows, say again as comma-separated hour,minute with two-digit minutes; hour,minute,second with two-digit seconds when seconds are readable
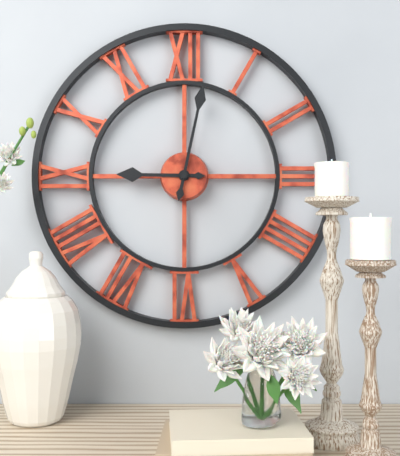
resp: 9,02
